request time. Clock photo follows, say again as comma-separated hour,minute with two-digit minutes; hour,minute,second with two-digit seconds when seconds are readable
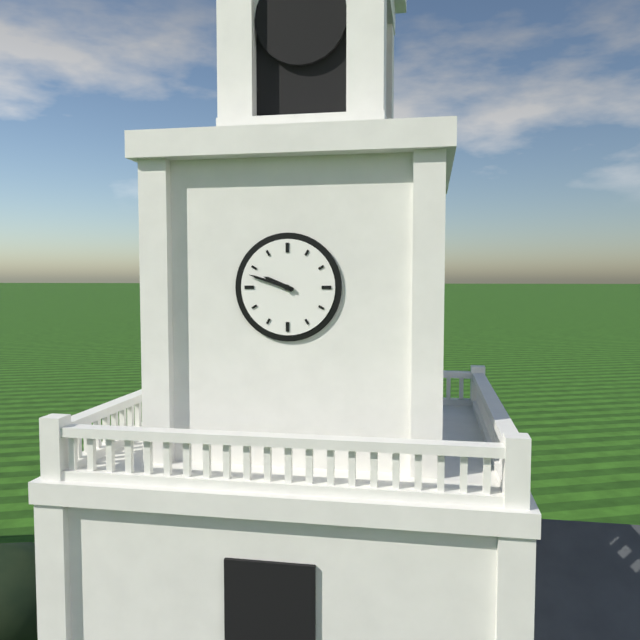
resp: 9,48
